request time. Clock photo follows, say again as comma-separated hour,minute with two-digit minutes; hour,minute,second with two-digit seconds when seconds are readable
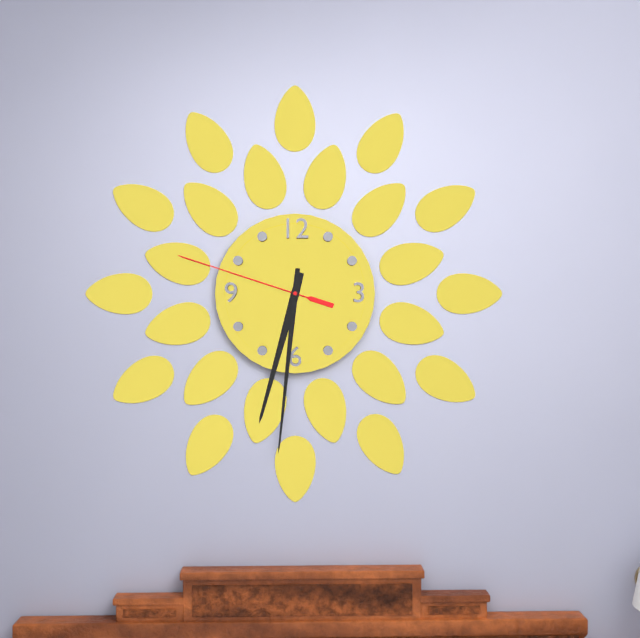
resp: 6,31,48
